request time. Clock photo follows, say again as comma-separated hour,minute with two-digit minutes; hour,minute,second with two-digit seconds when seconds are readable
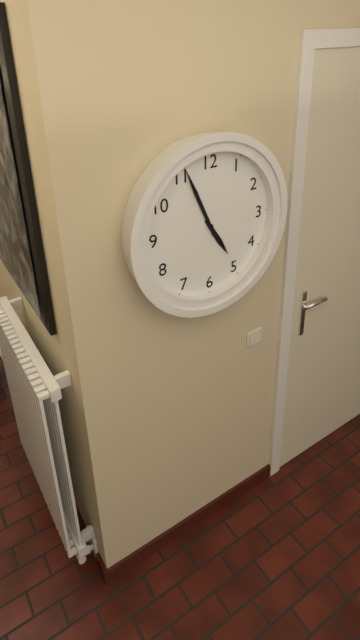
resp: 4,56
